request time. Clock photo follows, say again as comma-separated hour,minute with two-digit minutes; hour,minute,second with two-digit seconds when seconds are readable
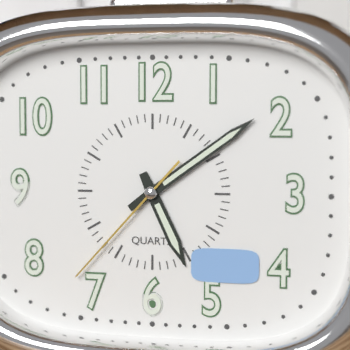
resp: 5,09,37
